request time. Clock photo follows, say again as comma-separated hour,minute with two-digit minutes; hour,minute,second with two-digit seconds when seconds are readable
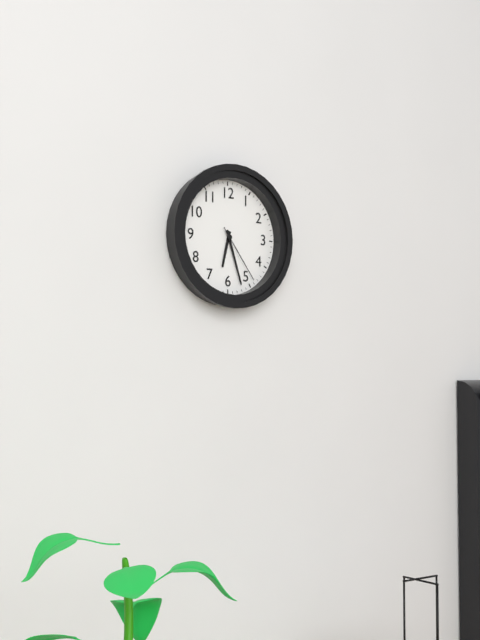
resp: 6,27,24
